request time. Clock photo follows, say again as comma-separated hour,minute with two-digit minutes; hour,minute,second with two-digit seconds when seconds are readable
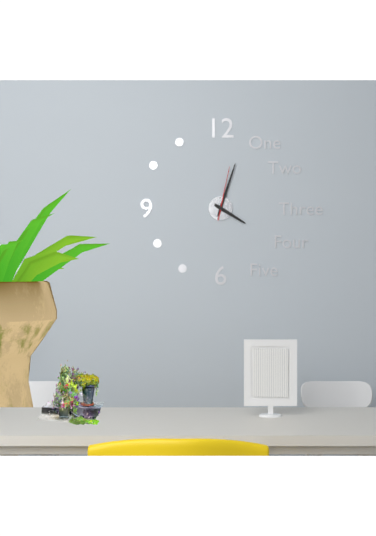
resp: 4,03,02
